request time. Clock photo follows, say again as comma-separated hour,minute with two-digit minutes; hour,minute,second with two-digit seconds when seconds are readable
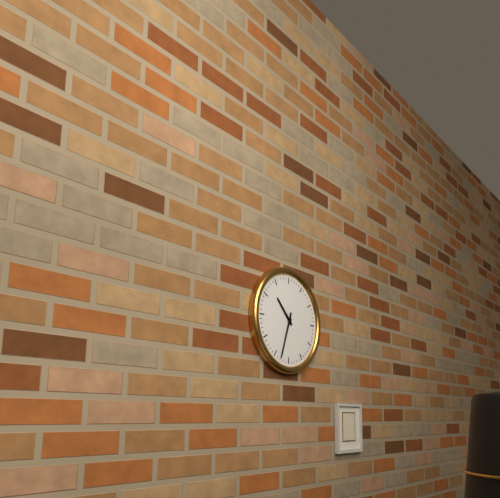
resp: 10,33
